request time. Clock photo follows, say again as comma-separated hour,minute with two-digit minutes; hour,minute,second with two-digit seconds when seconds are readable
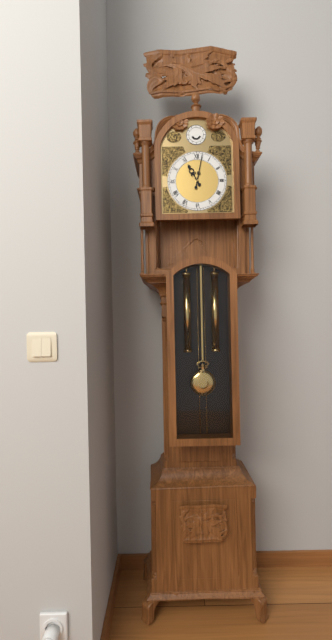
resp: 11,02
